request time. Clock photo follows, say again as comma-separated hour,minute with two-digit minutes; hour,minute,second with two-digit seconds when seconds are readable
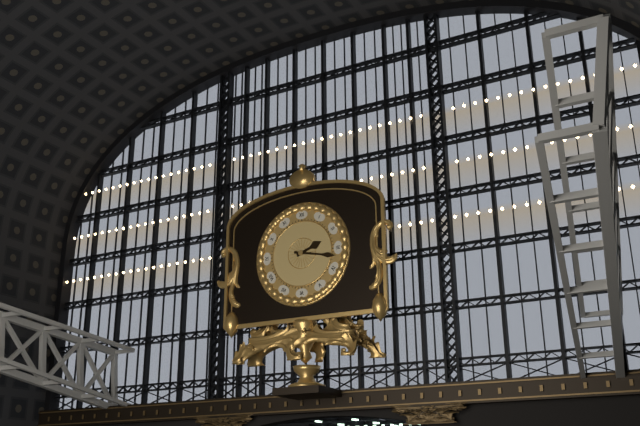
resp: 2,17
